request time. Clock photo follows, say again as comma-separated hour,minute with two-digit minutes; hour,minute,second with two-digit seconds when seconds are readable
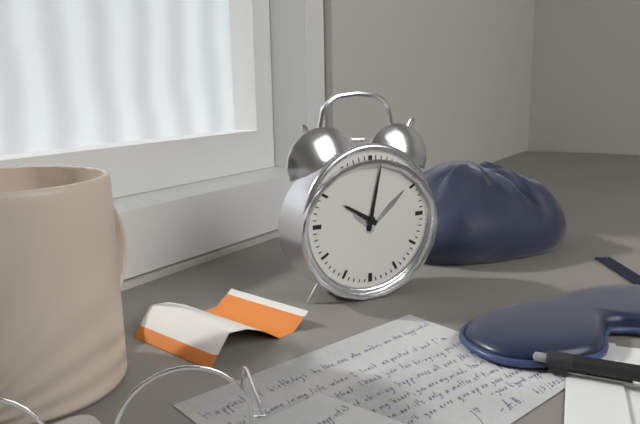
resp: 10,02
